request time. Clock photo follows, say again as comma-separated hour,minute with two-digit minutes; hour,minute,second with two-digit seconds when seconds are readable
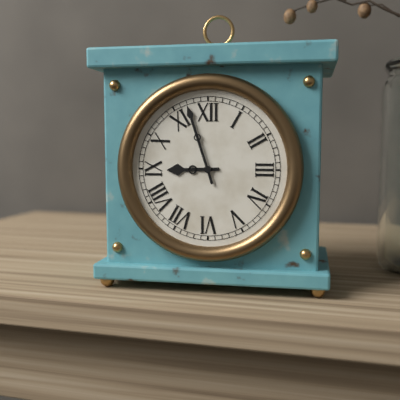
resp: 8,57
